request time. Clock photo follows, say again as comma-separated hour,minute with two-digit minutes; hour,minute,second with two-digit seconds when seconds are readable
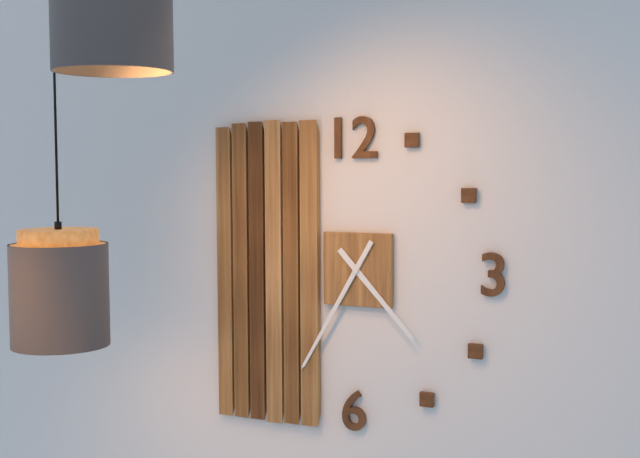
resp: 4,35
